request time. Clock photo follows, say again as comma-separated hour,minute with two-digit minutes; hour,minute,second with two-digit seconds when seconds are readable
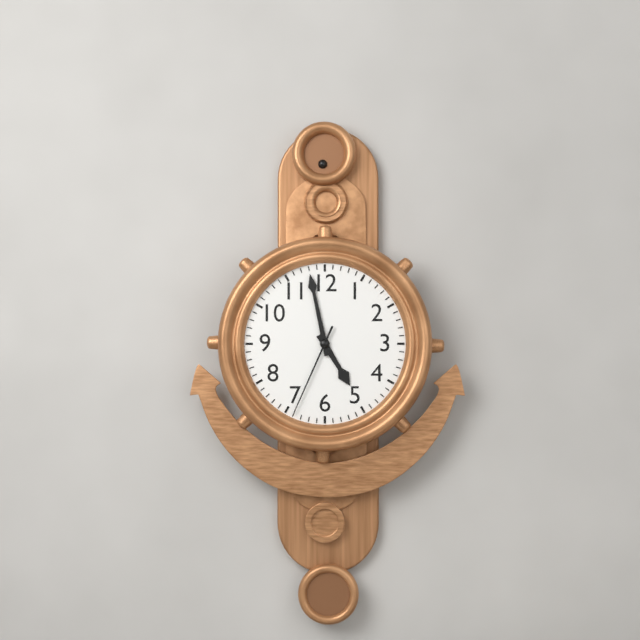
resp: 4,58,34
